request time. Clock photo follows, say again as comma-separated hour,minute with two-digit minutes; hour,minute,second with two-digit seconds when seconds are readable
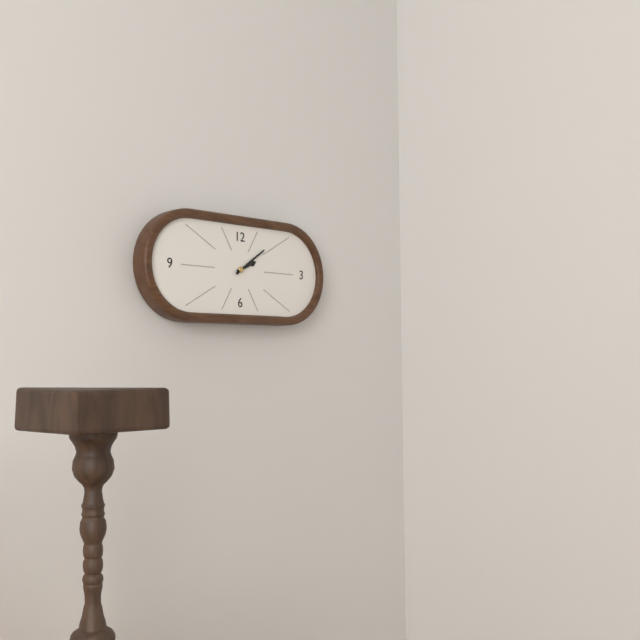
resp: 2,09
